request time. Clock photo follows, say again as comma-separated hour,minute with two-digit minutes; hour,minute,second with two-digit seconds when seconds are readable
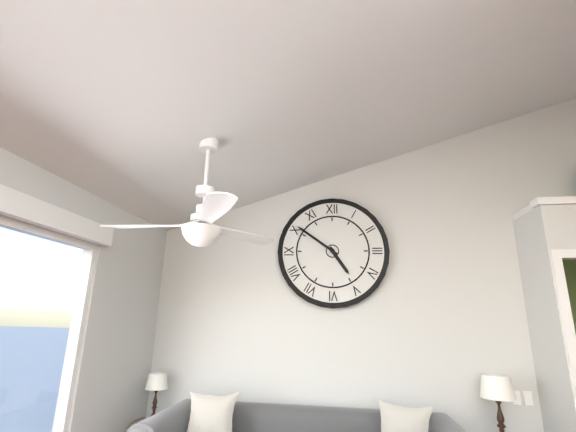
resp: 4,51
